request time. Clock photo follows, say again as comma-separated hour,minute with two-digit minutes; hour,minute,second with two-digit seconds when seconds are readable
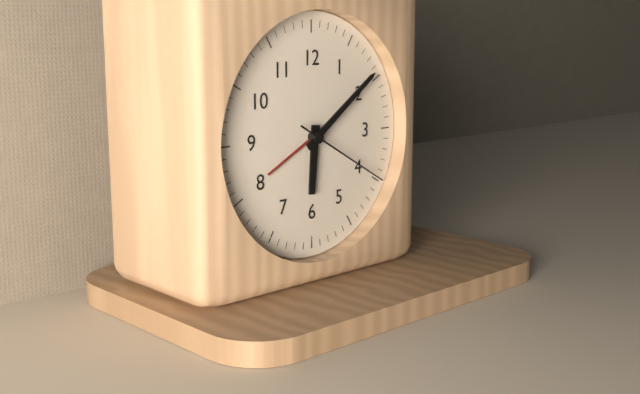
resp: 6,09,20
